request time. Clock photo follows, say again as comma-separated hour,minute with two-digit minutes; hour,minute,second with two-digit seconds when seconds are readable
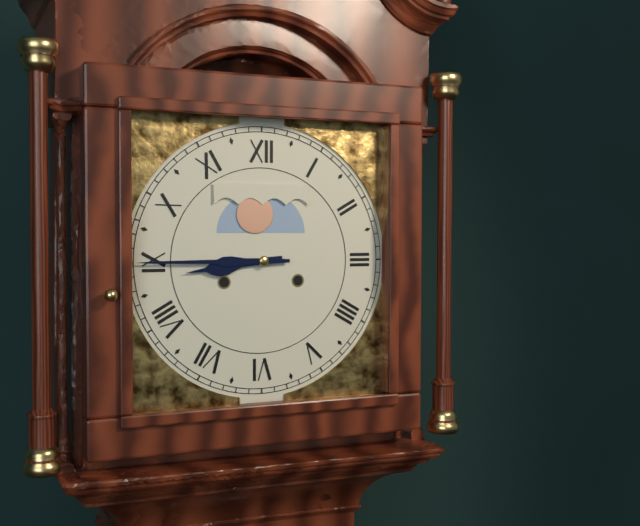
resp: 8,45
